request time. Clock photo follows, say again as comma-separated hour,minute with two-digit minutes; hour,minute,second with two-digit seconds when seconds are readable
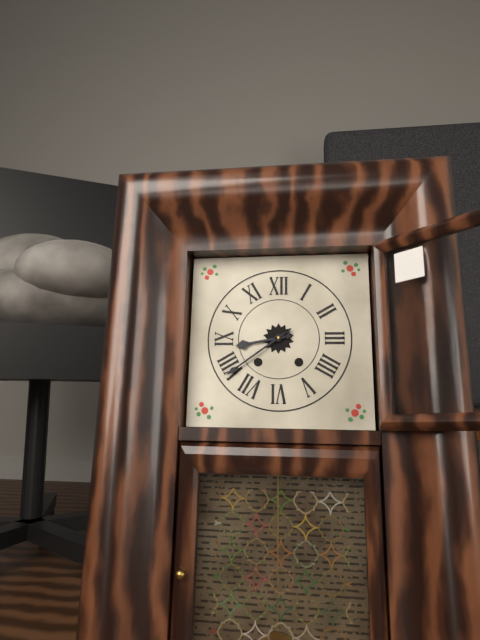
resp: 8,39
